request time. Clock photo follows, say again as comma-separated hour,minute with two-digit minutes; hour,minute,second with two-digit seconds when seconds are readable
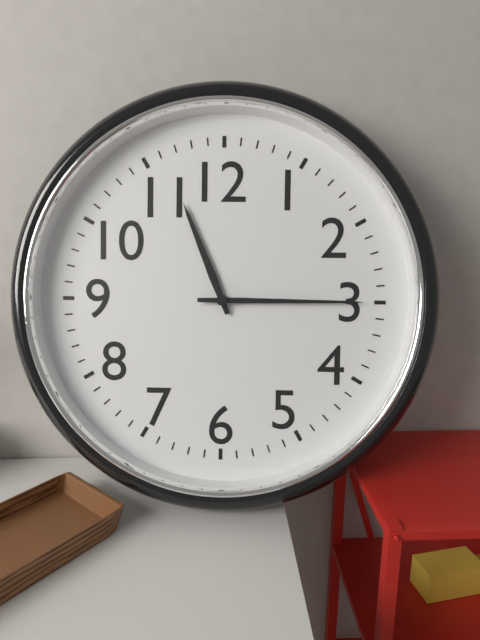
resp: 11,15
